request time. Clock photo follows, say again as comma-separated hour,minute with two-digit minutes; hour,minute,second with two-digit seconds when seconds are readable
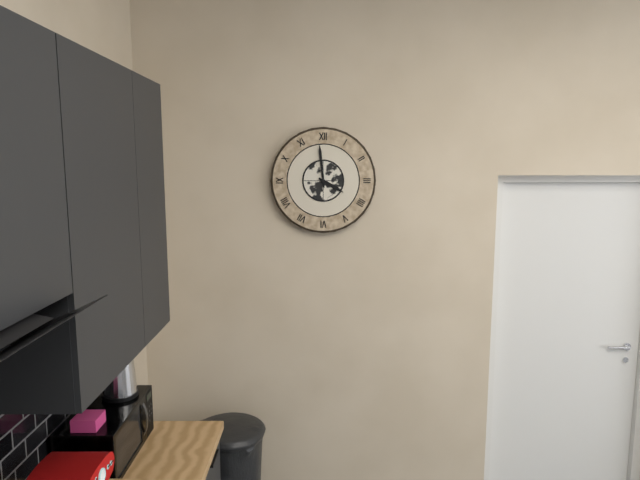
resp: 3,59
